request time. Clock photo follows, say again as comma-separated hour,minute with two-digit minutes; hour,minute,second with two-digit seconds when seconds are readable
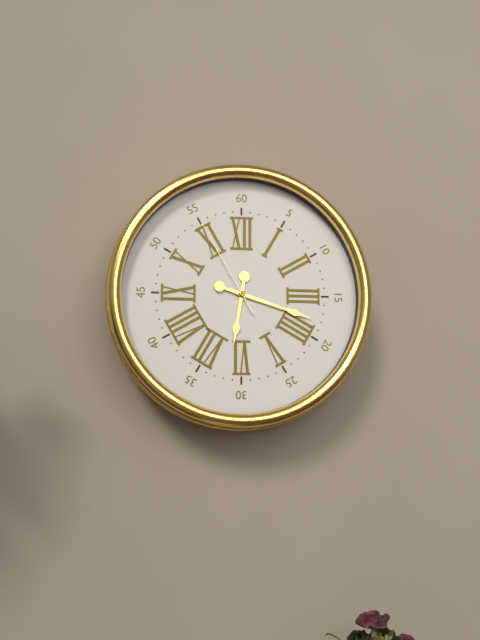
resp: 6,18,55
